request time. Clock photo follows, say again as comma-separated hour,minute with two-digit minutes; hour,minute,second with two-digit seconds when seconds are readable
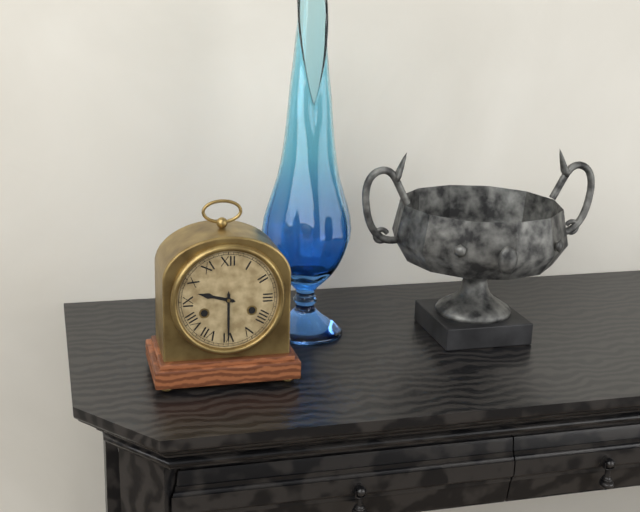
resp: 9,30
